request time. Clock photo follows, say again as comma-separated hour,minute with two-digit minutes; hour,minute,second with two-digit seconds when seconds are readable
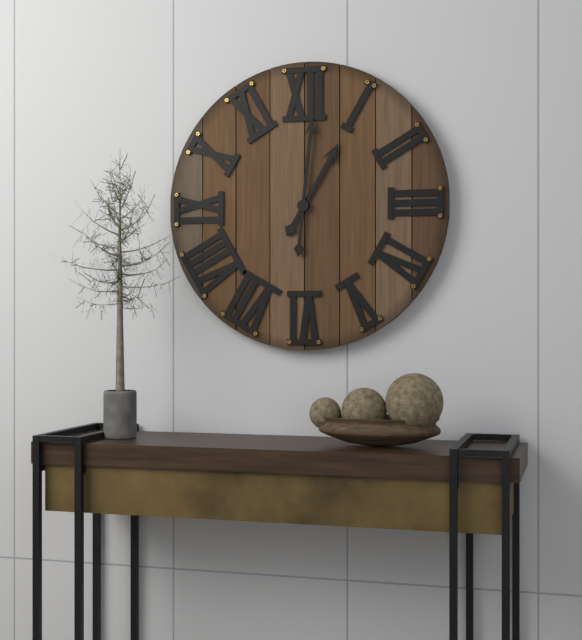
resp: 1,01
